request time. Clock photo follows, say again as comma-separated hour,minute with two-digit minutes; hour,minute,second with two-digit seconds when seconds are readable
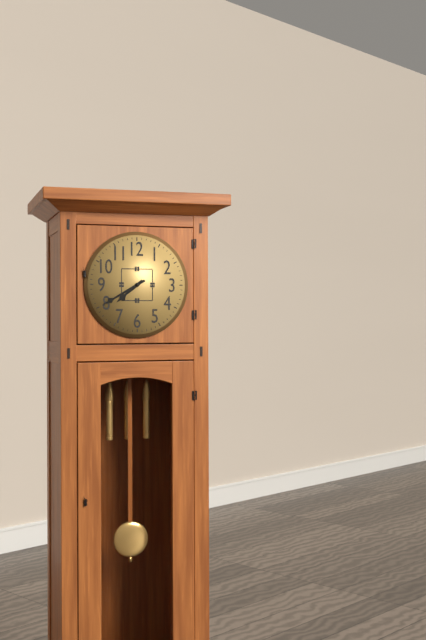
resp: 7,40
